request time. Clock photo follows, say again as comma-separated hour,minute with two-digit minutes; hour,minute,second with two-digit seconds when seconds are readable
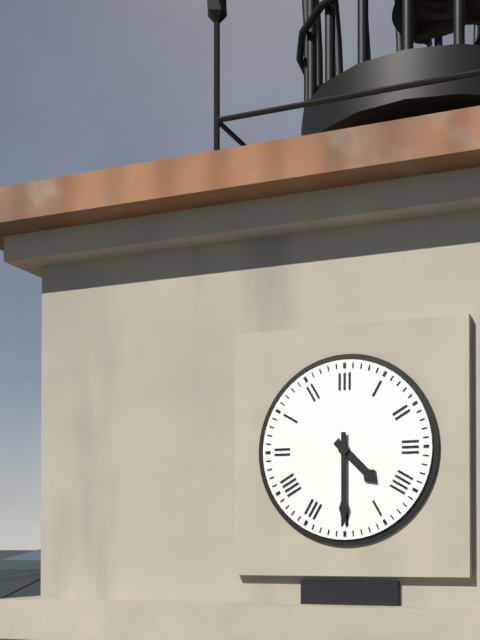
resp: 4,30
